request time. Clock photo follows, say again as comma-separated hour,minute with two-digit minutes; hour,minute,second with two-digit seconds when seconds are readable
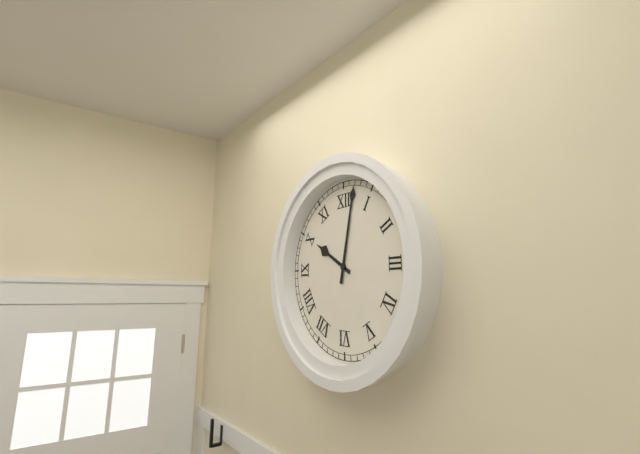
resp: 10,02
